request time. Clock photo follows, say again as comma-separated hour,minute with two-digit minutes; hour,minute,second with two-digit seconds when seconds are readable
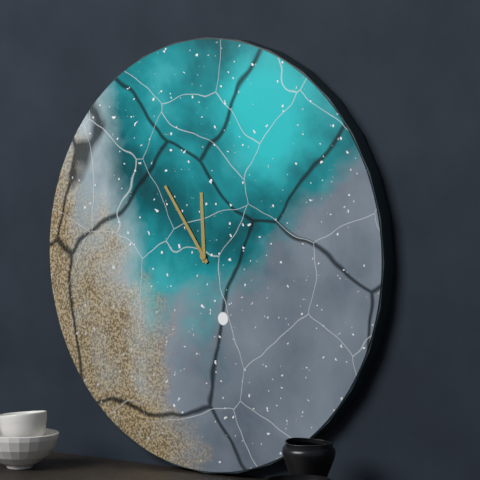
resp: 11,54
